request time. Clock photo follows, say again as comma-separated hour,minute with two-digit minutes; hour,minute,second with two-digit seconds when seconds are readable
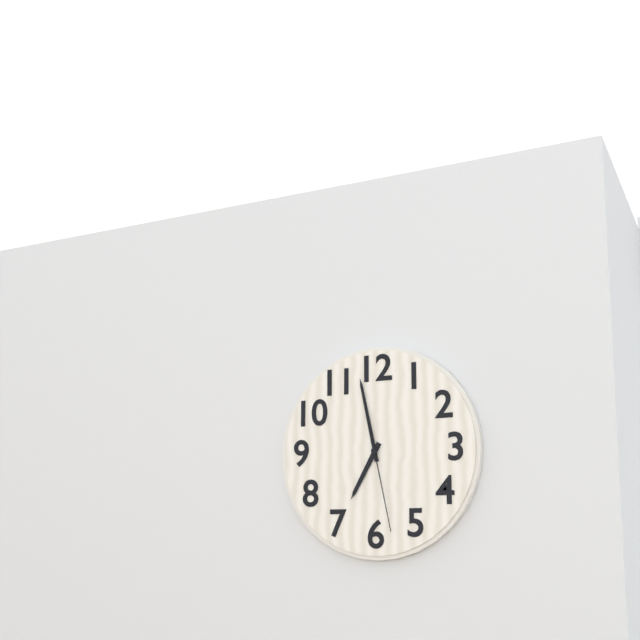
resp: 6,58,28
